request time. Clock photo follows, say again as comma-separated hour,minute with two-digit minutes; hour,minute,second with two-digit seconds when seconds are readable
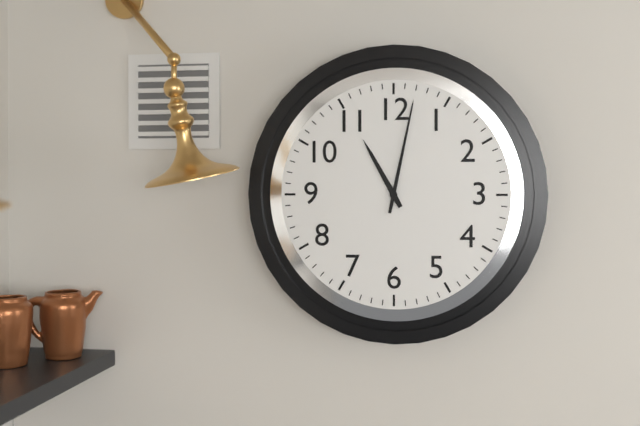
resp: 11,02
